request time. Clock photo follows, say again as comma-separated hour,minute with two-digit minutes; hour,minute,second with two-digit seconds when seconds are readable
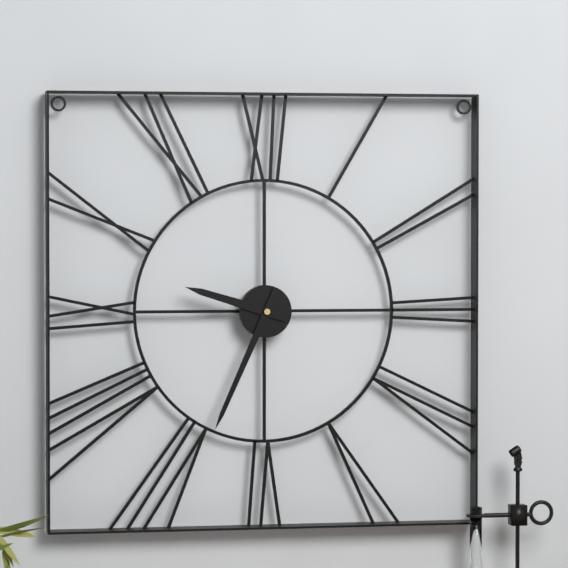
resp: 9,34
